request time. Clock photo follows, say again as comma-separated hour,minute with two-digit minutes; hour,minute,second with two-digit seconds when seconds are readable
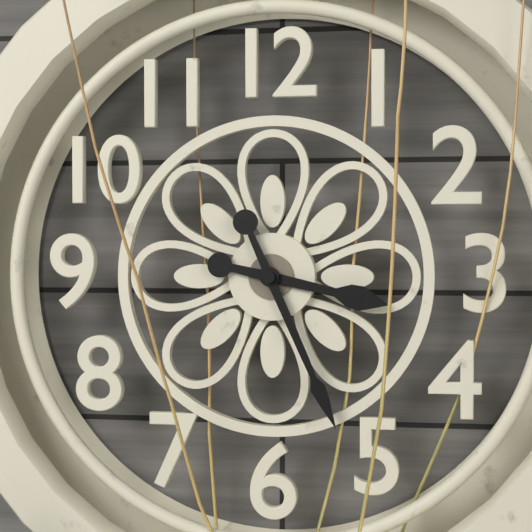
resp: 3,26
